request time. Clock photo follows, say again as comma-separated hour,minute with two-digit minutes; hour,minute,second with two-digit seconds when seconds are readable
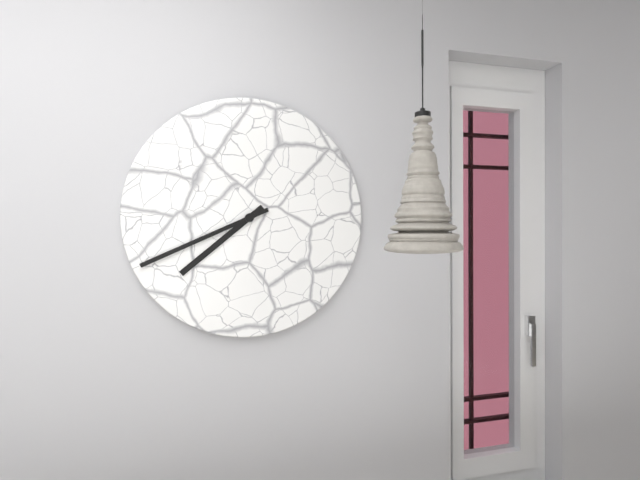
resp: 7,41
